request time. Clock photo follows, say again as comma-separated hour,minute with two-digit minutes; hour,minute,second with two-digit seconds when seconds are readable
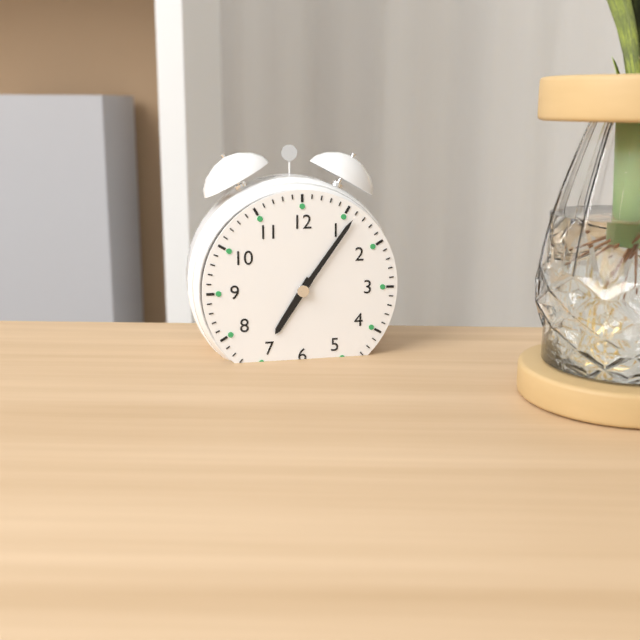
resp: 7,06
